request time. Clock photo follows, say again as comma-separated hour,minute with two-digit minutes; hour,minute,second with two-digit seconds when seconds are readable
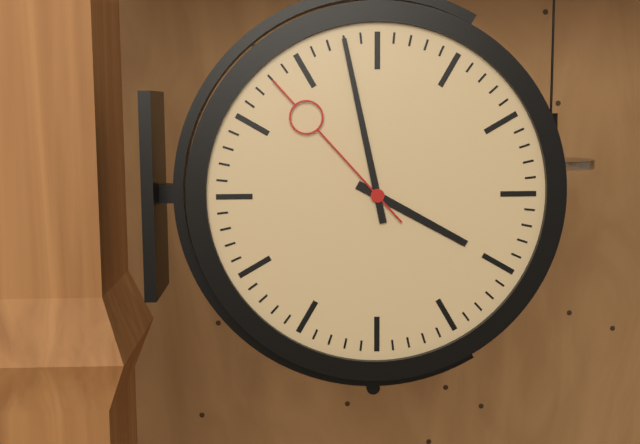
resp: 3,58,53
